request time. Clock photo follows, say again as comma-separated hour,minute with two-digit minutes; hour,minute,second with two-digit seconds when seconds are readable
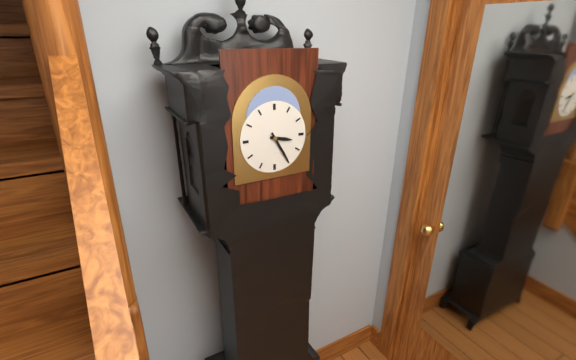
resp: 3,25
